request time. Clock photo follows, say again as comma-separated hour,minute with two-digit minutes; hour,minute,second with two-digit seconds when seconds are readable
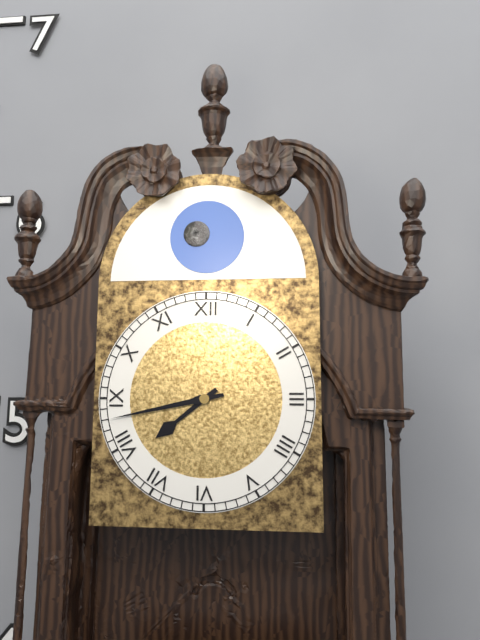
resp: 7,43
